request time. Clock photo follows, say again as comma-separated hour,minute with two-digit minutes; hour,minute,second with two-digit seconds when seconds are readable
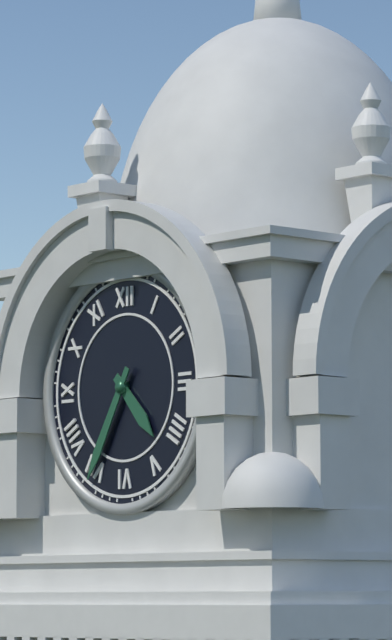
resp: 4,35
